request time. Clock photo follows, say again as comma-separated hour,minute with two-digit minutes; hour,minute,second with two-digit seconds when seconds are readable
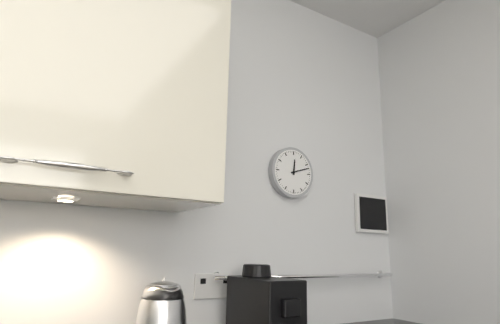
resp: 12,12
